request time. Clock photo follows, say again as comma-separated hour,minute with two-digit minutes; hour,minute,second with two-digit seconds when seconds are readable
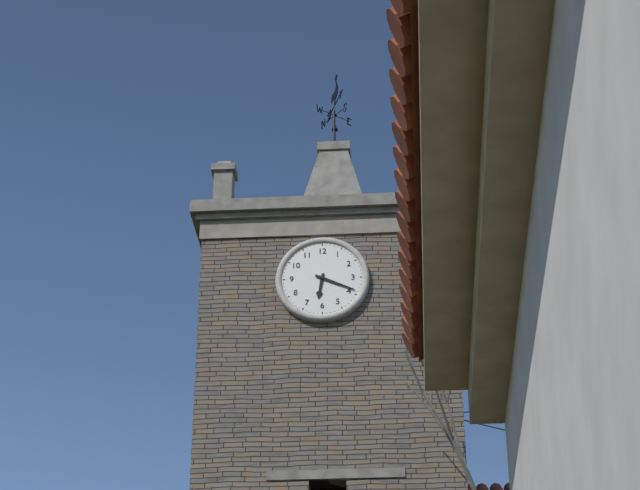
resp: 6,19
